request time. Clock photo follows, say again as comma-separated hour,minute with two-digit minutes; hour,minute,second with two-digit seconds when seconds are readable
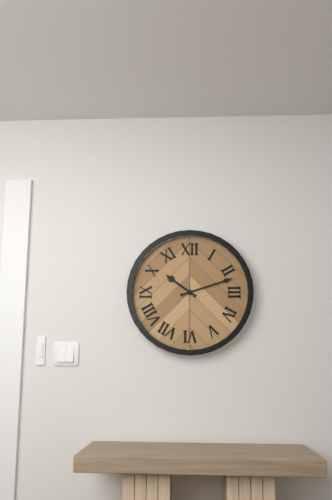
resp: 10,12
